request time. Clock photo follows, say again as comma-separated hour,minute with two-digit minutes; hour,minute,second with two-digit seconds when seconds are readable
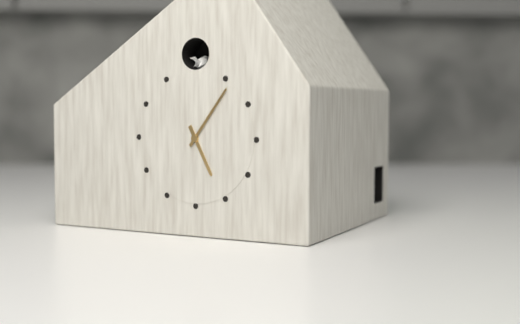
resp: 5,06
